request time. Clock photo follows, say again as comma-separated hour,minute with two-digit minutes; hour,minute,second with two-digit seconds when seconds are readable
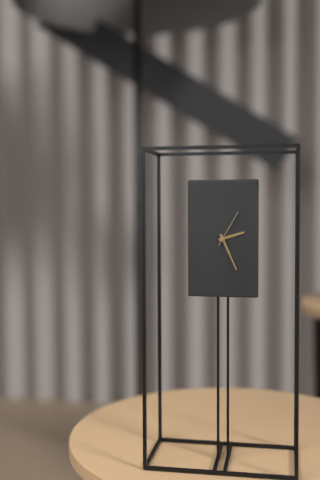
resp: 2,26
